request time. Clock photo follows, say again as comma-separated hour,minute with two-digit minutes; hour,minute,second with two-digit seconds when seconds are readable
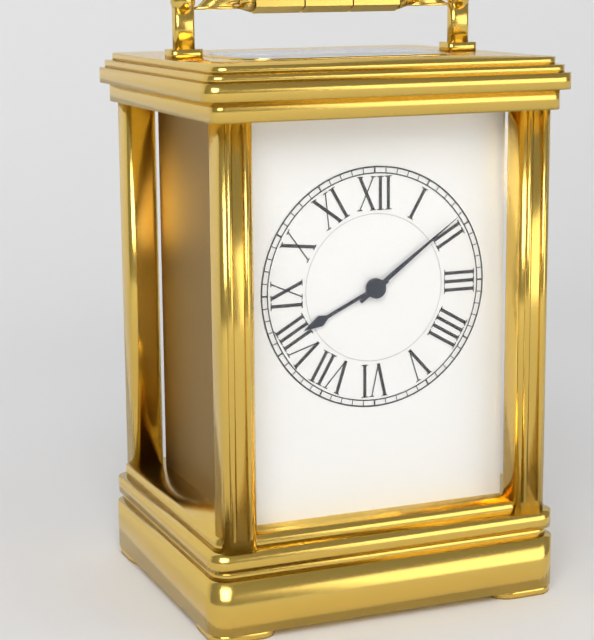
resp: 8,09
